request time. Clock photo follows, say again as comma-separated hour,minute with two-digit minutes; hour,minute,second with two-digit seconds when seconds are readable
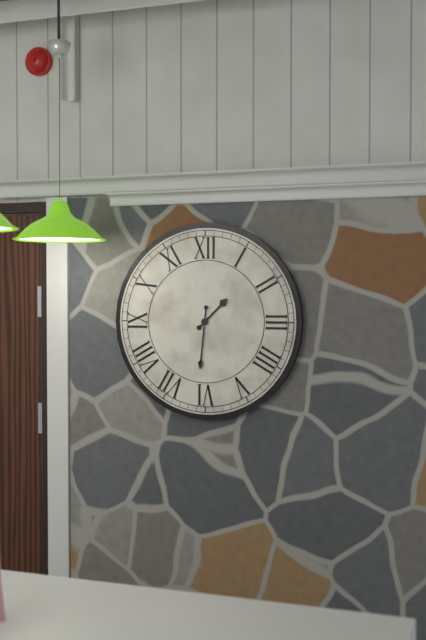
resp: 1,31
